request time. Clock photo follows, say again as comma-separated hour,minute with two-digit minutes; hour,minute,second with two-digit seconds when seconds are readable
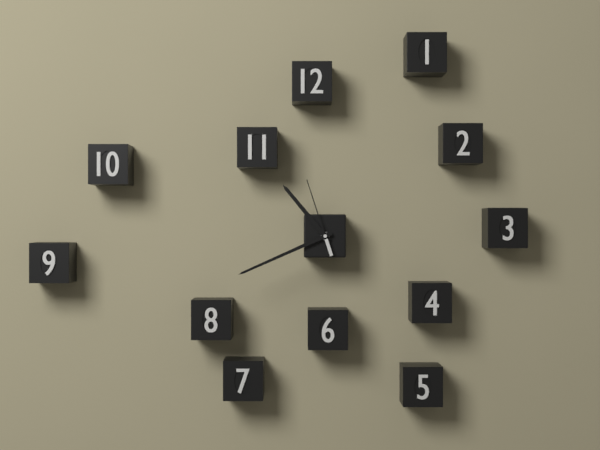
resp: 10,41,57
